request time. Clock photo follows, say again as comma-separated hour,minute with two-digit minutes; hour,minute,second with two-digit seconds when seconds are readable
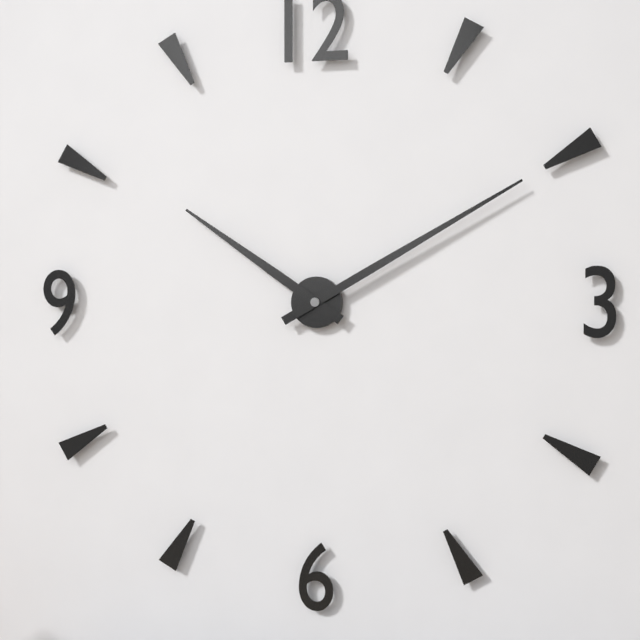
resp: 10,10
